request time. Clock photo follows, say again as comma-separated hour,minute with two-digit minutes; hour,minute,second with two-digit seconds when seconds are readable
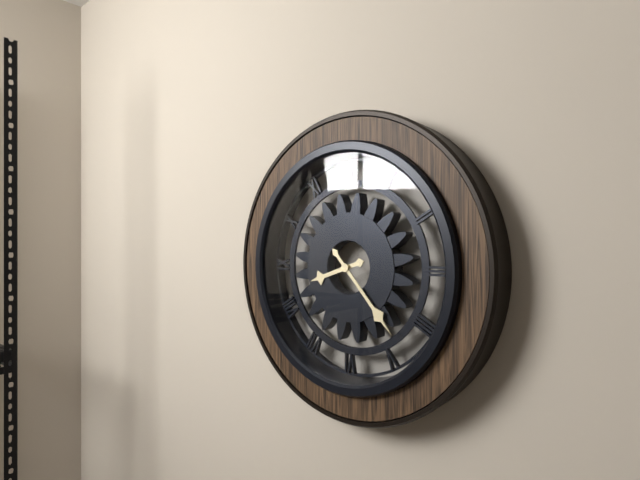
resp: 8,23
